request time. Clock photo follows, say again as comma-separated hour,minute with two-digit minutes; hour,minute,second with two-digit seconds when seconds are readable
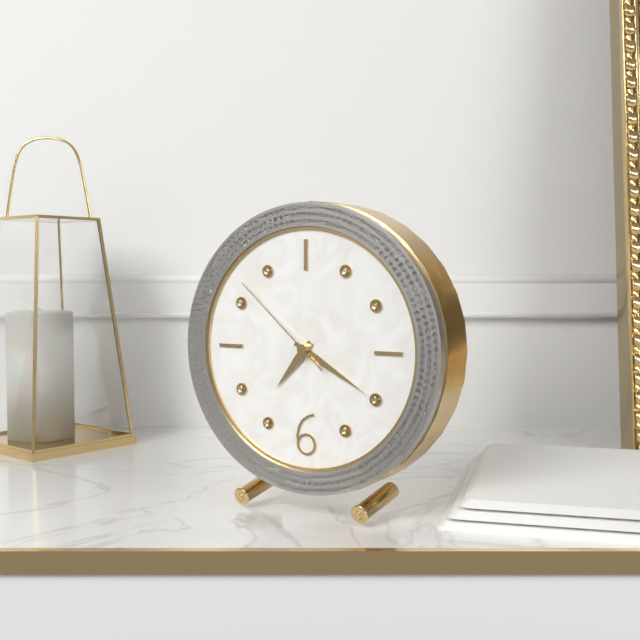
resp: 7,20,52
